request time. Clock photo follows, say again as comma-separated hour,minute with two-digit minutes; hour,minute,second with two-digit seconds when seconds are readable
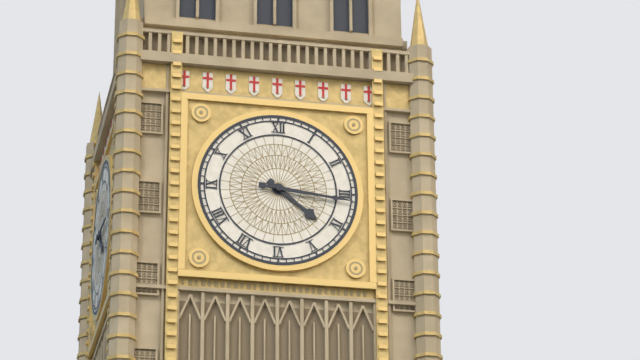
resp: 4,16
